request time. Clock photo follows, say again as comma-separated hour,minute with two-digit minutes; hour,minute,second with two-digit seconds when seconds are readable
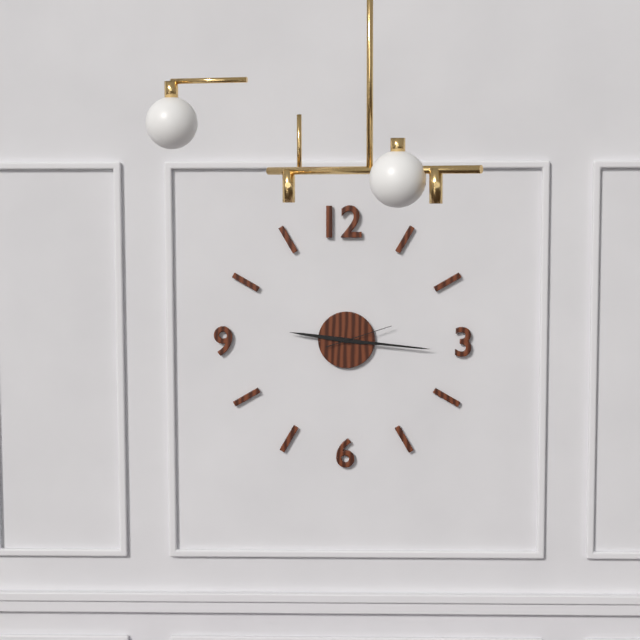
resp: 9,16,12
